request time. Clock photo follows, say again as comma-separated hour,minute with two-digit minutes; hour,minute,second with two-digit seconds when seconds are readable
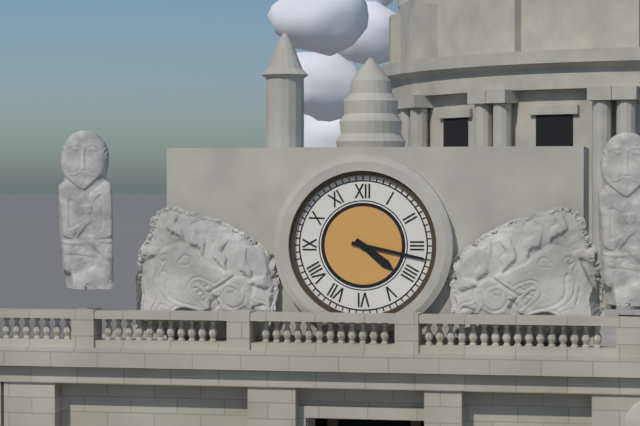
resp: 4,17
